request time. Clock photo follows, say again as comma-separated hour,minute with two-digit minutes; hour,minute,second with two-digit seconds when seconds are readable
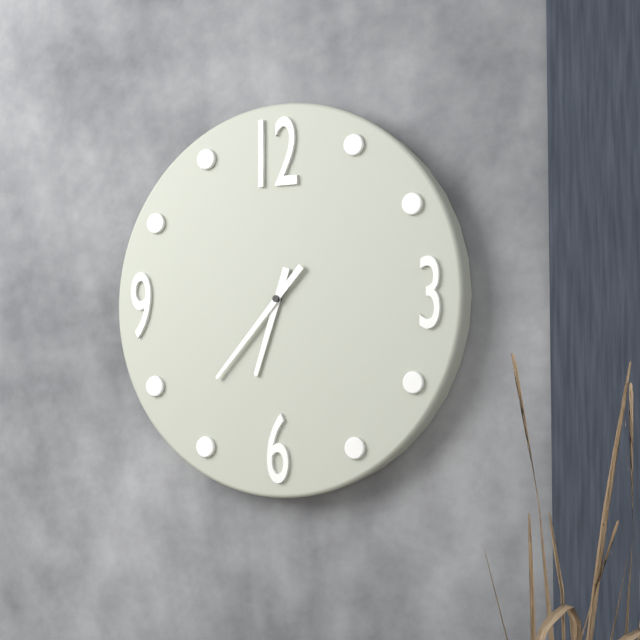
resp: 6,37
